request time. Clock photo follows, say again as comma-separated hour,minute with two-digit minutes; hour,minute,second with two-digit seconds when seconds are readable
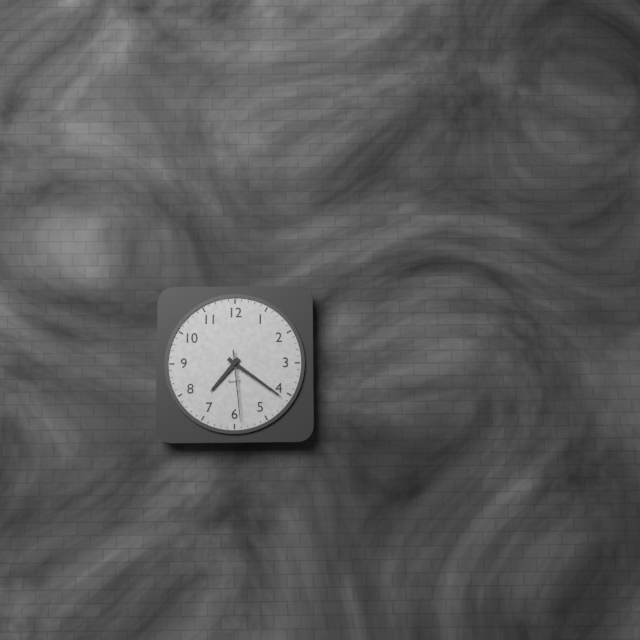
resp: 7,21,29
